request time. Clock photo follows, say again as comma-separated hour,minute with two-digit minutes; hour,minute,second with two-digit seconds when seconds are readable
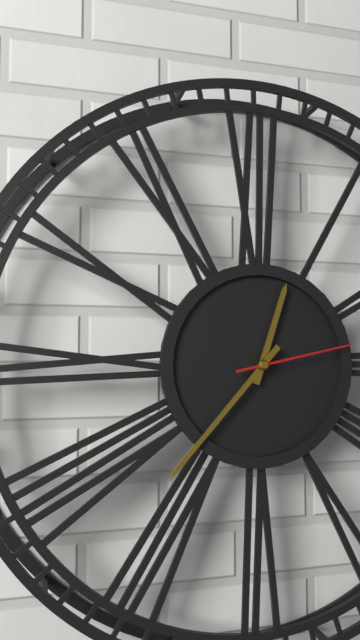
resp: 12,37,13
